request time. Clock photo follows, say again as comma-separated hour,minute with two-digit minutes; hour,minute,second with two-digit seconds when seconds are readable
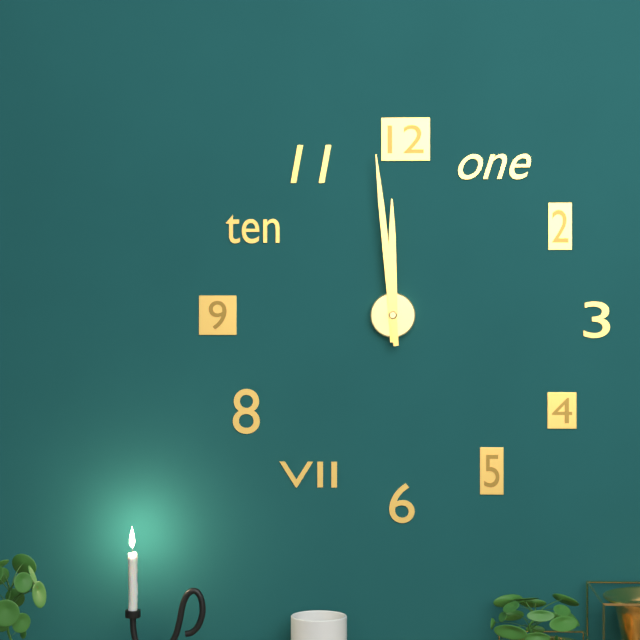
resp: 11,59
